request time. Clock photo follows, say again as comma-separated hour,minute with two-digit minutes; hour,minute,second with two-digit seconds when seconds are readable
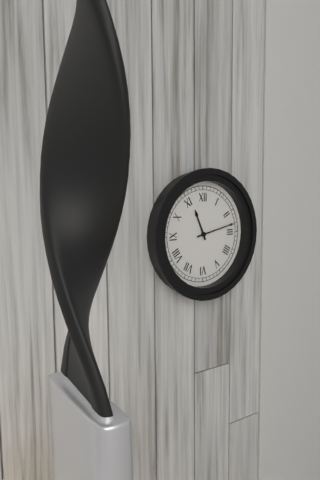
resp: 11,13
